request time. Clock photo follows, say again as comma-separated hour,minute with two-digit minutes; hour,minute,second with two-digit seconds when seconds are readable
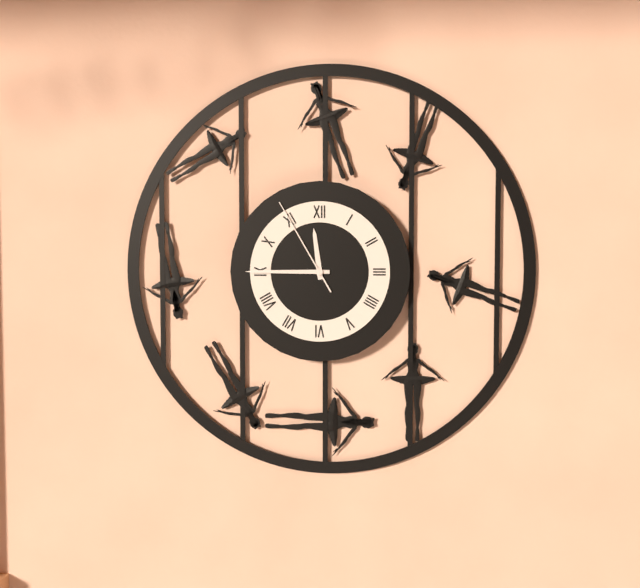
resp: 11,45,55
